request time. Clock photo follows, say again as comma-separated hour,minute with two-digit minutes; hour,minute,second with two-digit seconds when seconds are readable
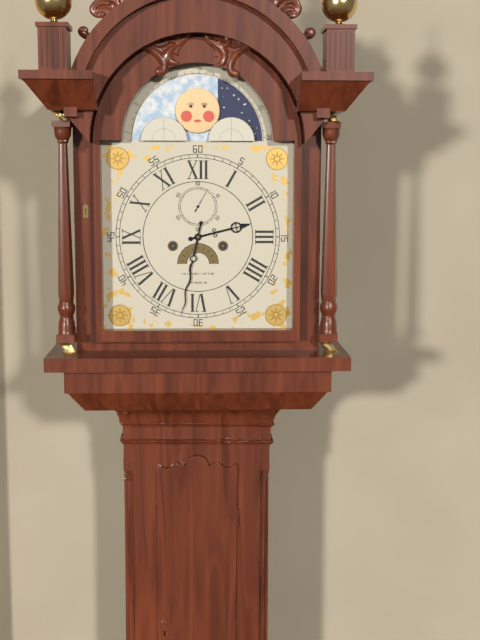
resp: 2,32
